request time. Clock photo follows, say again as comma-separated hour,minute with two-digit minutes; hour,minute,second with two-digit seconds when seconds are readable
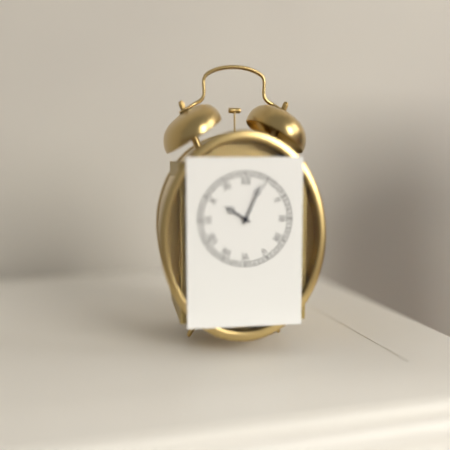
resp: 10,04
